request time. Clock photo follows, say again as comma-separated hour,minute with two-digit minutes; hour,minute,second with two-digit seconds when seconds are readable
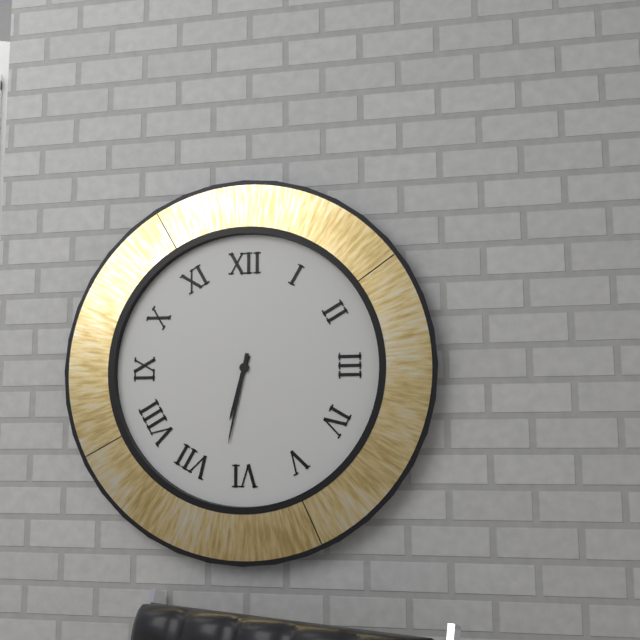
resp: 6,32
